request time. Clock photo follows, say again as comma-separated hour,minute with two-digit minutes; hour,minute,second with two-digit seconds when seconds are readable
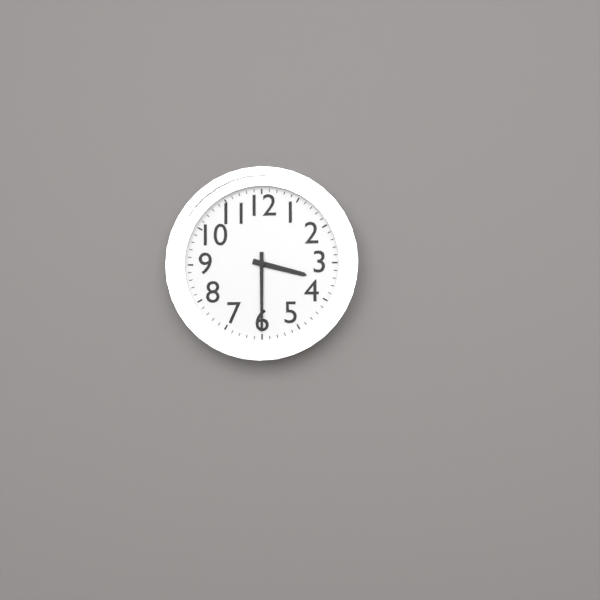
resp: 3,30
